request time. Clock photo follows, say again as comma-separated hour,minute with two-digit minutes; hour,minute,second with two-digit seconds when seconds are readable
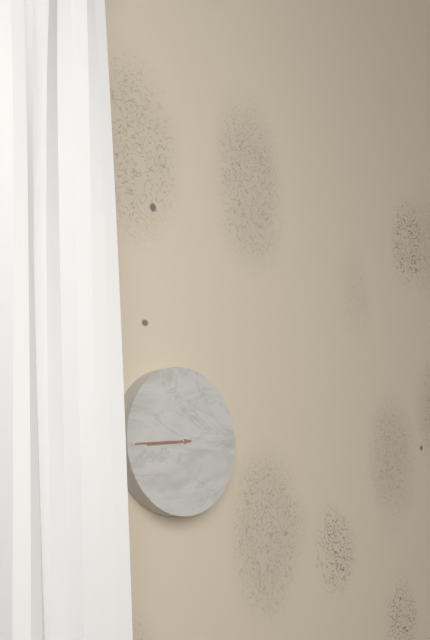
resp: 8,44
